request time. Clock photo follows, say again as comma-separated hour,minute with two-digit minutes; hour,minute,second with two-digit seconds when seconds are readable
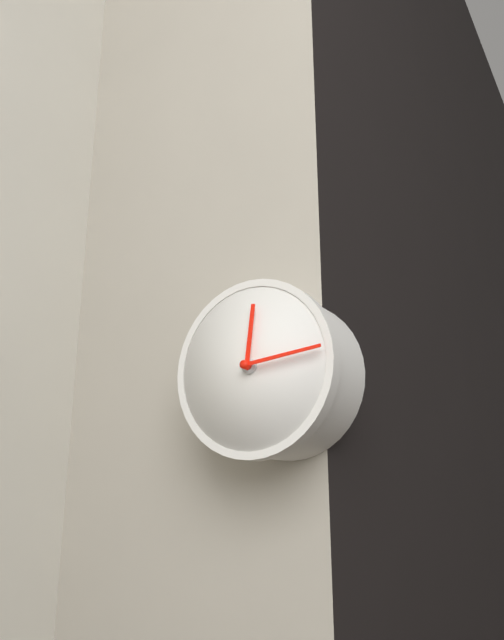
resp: 12,14
